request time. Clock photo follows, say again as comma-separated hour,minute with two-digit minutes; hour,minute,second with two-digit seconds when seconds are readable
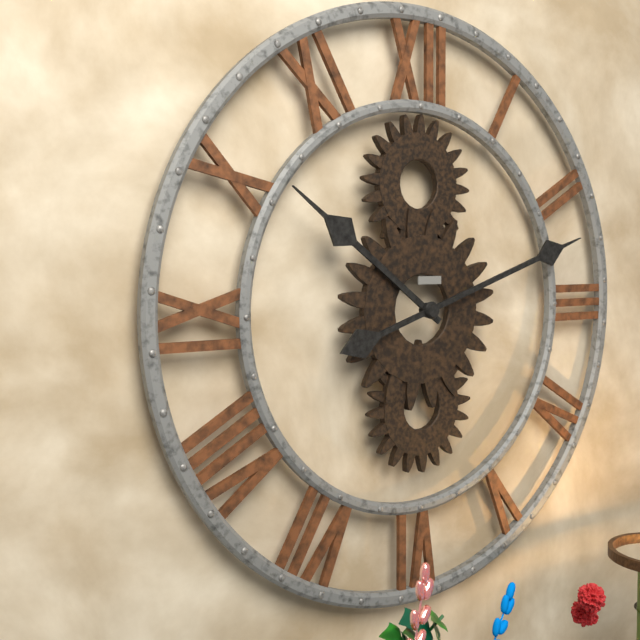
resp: 10,12
